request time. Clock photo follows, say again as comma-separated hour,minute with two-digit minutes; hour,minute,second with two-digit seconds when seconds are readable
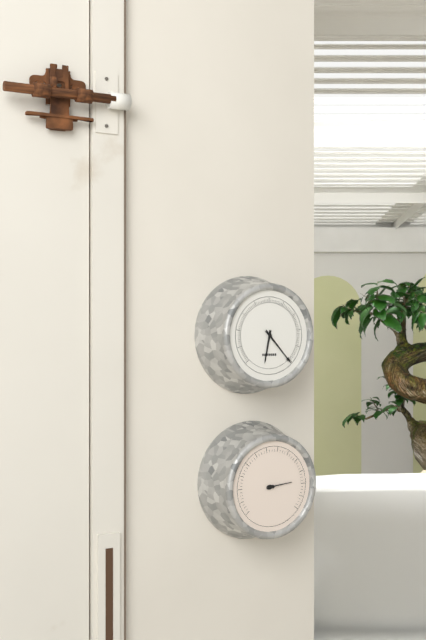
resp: 6,23
